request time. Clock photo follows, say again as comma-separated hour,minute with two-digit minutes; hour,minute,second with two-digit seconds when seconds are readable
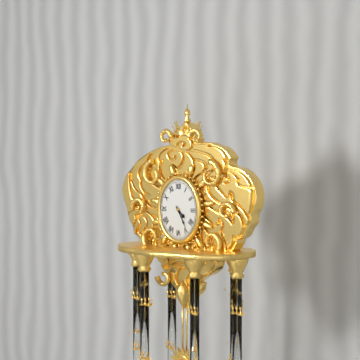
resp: 4,25
